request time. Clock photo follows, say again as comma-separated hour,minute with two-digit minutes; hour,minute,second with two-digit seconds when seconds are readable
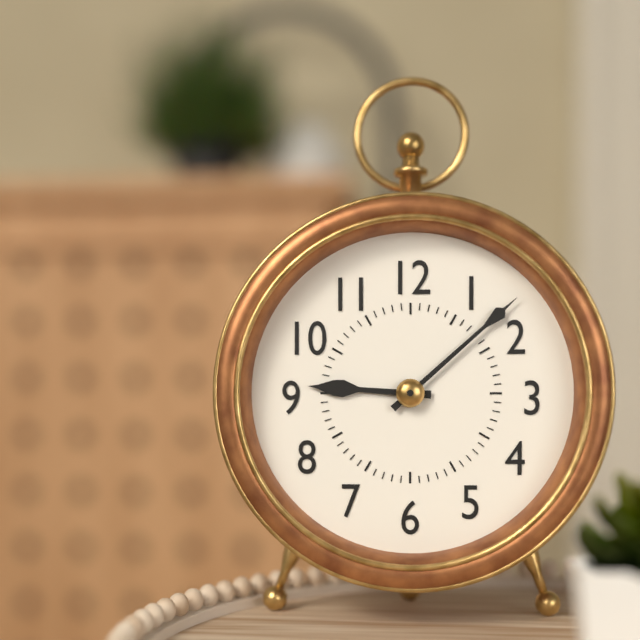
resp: 9,08
